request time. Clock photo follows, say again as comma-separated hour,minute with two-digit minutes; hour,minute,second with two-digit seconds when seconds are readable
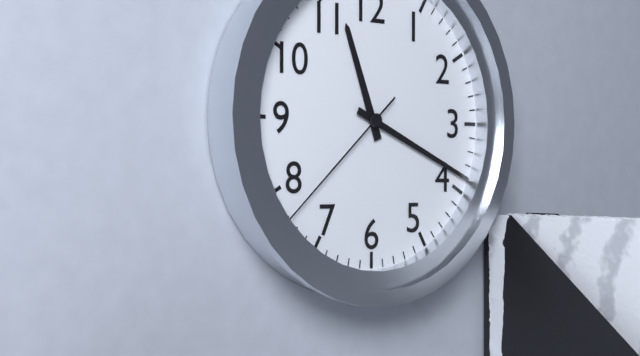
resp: 11,19,38
